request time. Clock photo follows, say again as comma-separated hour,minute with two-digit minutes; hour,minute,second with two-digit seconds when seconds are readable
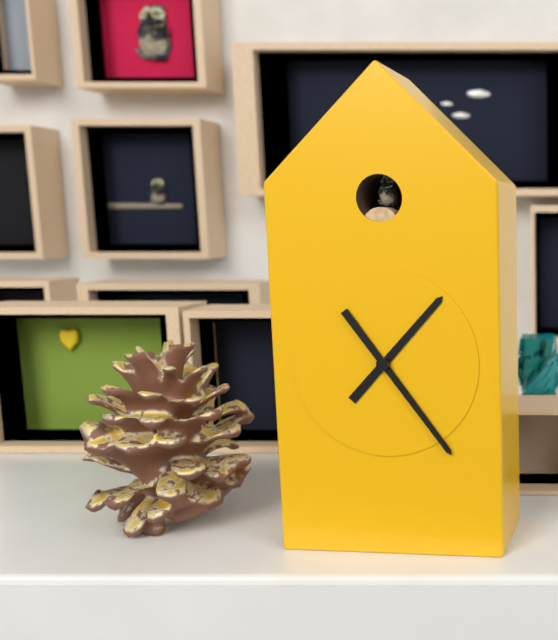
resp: 1,24
